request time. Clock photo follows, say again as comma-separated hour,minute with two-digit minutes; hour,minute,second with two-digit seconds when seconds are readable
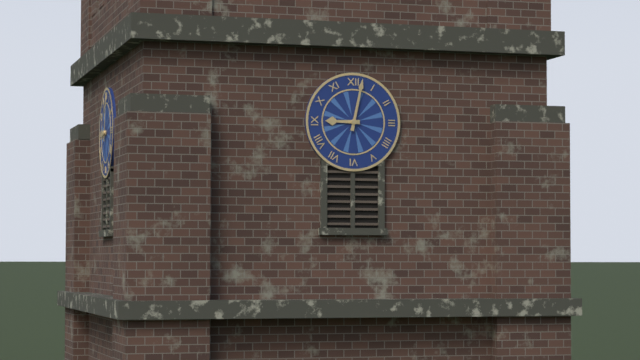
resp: 9,02
